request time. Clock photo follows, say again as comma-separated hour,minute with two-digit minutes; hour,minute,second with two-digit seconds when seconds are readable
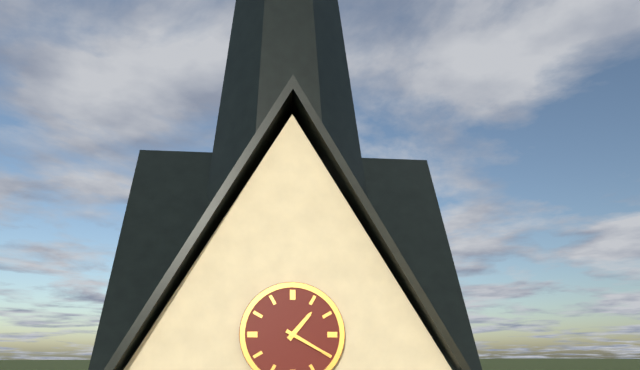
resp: 1,20
